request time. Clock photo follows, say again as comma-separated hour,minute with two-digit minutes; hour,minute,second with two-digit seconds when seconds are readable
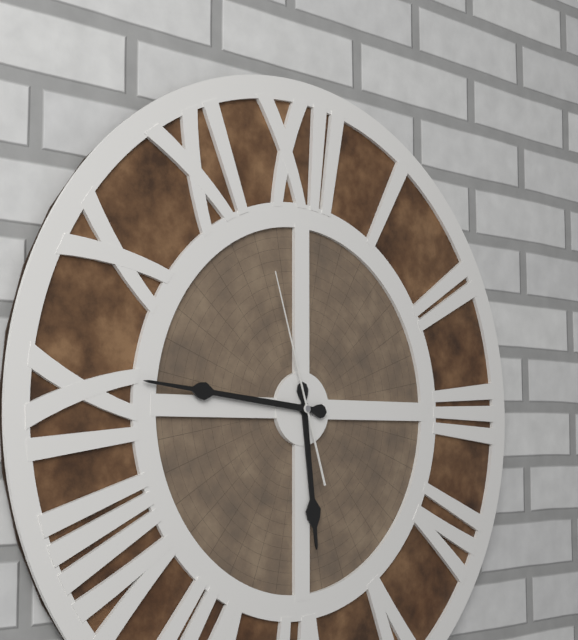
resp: 5,46,57
